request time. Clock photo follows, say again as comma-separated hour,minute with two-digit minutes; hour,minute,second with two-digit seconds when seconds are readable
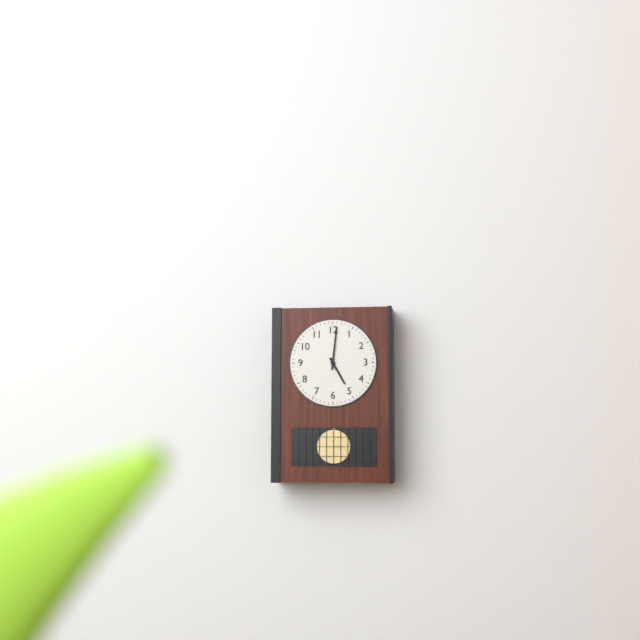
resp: 5,01
